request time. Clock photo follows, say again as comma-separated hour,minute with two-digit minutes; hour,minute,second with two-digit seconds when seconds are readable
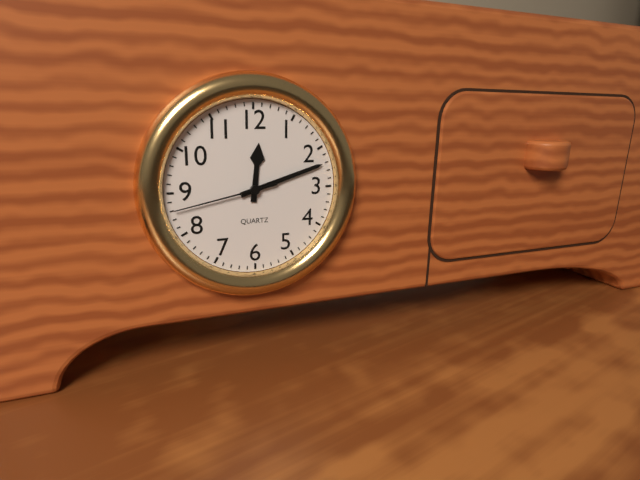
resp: 12,12,43
